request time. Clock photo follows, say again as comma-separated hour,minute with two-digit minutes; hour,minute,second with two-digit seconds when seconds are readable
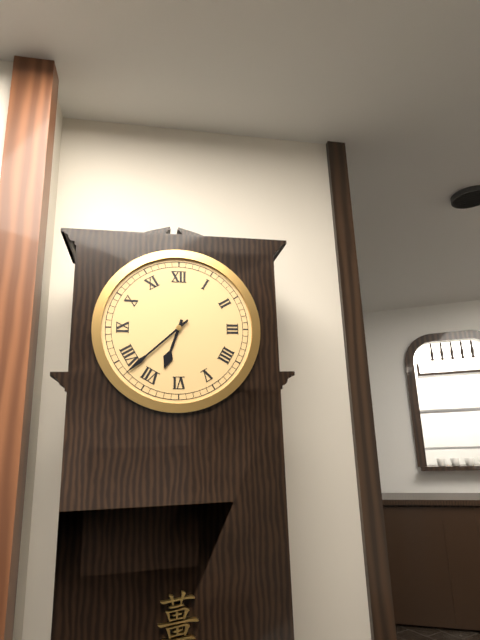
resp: 6,38
